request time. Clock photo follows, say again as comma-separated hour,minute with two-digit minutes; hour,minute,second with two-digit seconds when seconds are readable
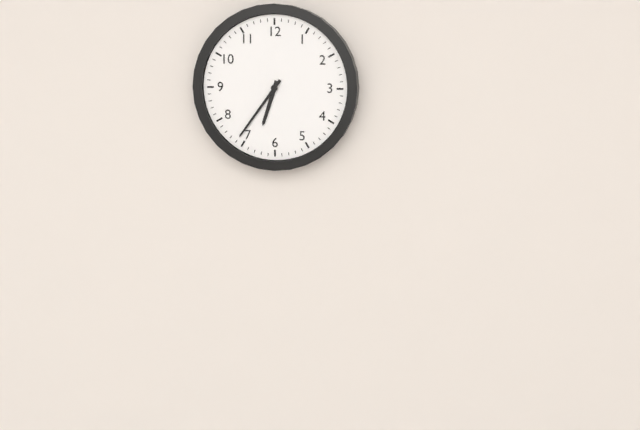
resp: 6,36
